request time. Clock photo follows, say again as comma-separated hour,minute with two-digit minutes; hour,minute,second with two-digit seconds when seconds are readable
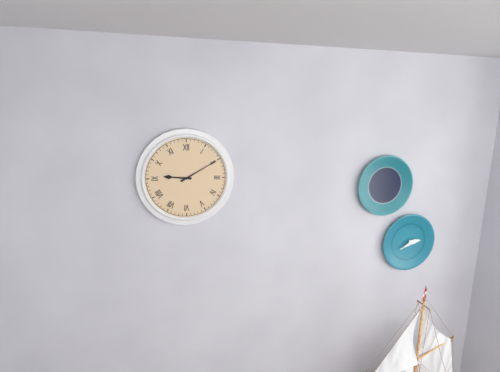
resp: 9,10
